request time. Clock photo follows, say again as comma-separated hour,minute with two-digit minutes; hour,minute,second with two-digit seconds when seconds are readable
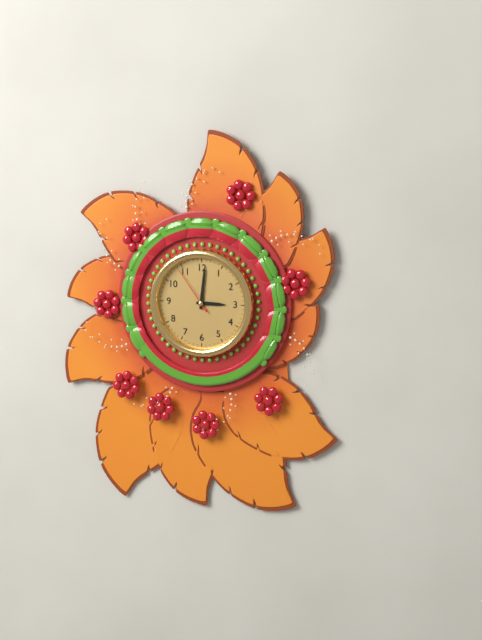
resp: 3,01,54
